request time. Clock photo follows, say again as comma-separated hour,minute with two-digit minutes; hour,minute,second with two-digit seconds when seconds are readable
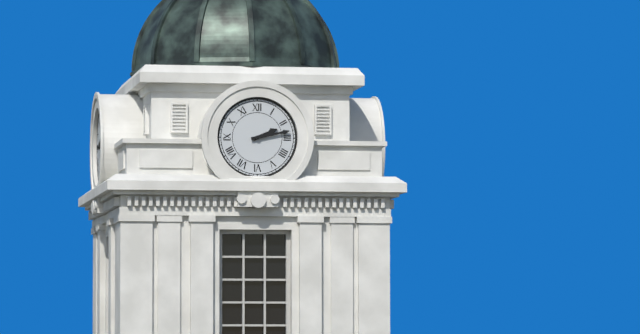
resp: 2,13
